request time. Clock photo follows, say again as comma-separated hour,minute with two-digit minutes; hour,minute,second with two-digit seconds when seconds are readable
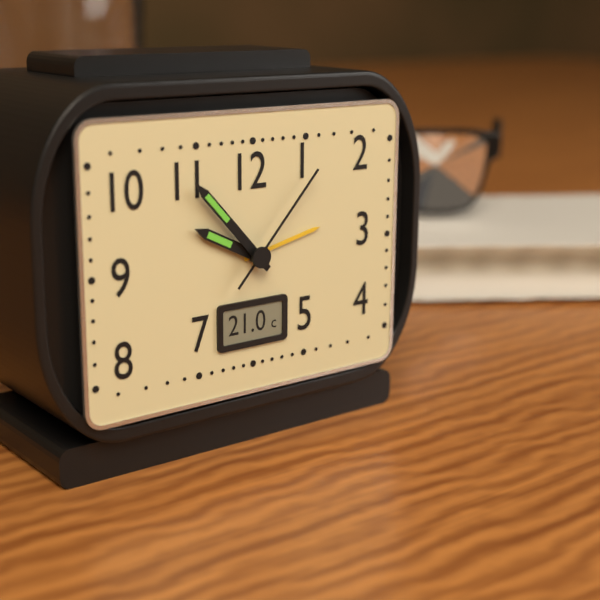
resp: 9,53,07
